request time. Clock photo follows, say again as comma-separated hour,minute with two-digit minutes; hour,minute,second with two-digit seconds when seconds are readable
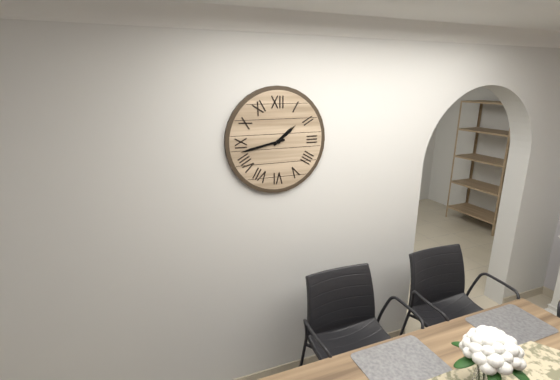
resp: 1,43
